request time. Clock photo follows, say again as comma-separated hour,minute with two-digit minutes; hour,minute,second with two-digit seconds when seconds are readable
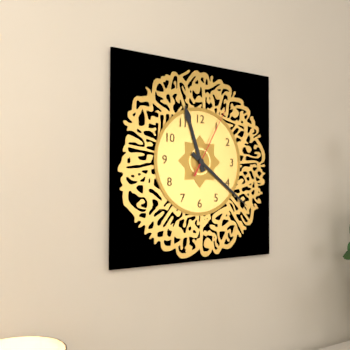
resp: 11,21,05
